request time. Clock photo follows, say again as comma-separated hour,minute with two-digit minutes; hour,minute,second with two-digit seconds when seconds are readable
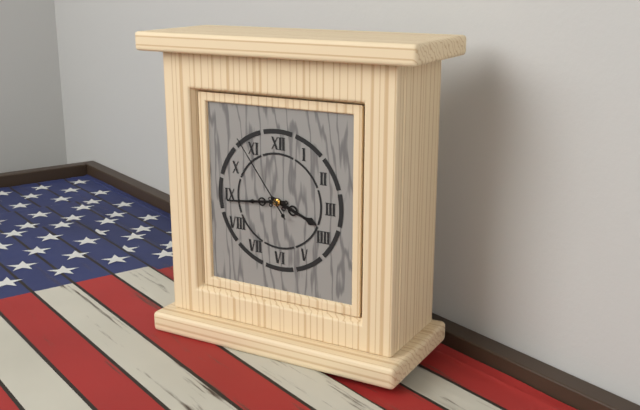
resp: 3,44,54
